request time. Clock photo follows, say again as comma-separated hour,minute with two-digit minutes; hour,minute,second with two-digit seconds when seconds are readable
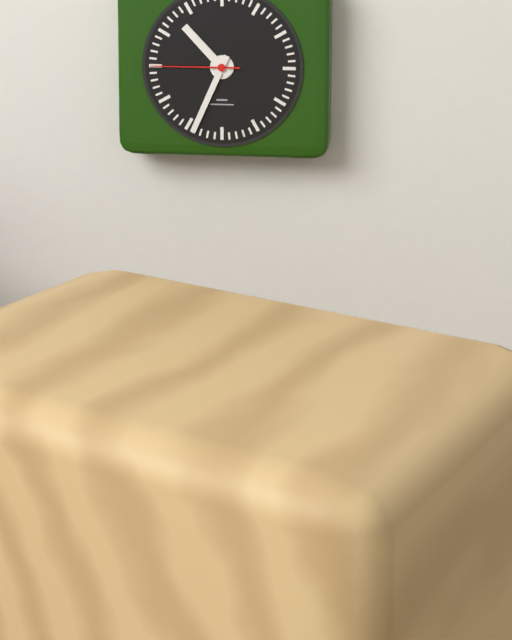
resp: 10,34,45
